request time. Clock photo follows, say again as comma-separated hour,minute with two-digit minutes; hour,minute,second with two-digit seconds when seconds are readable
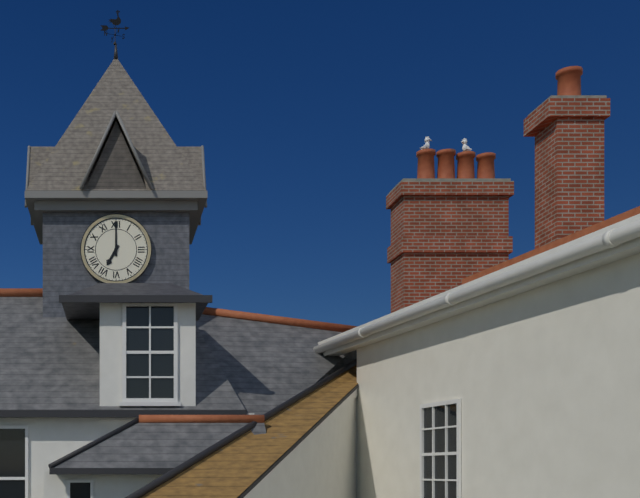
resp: 7,00
